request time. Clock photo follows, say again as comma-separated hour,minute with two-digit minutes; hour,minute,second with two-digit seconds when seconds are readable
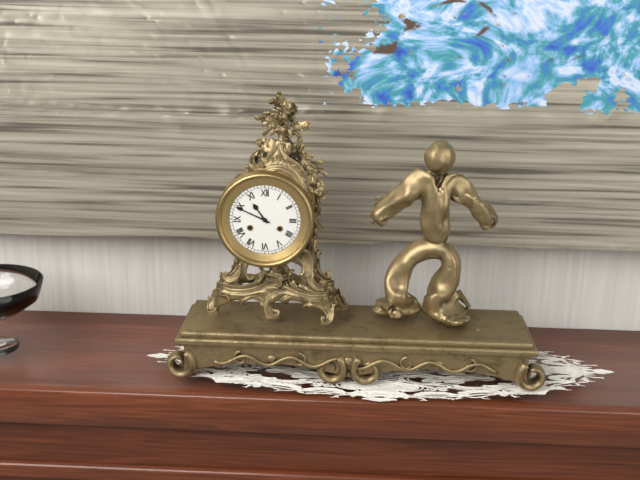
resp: 10,49
